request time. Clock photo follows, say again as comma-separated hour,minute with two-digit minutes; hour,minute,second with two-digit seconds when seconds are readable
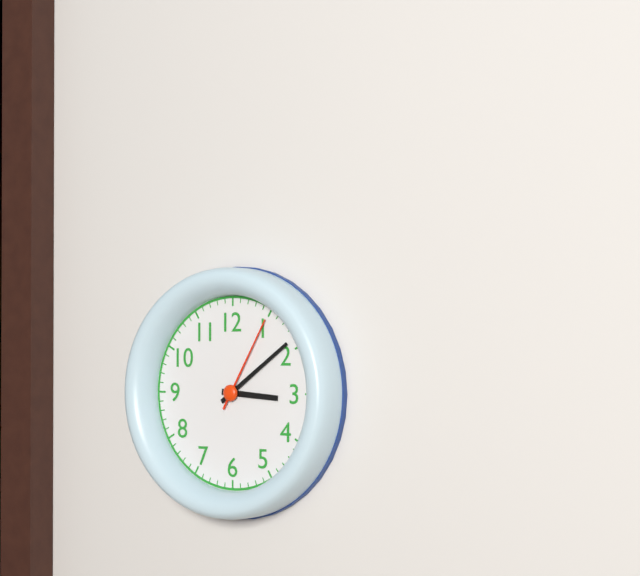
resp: 3,09,05
